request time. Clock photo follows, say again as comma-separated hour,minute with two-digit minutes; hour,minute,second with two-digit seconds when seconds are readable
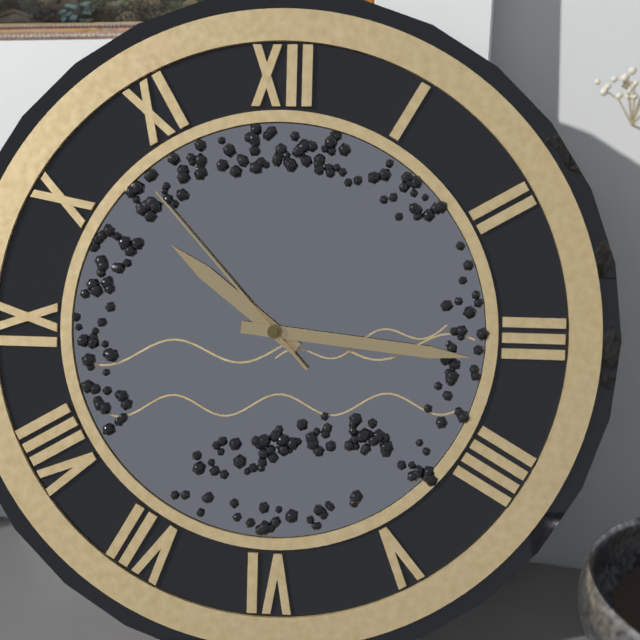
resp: 10,16,53
